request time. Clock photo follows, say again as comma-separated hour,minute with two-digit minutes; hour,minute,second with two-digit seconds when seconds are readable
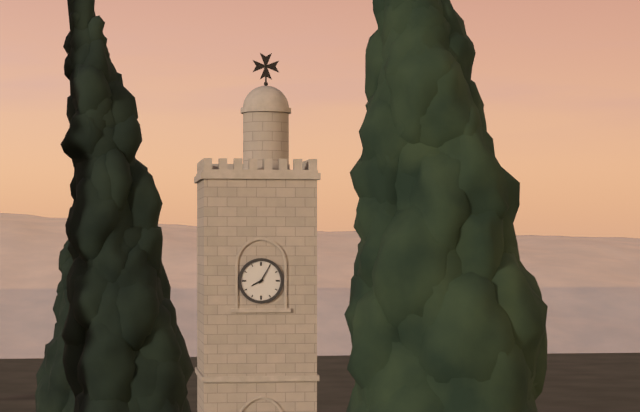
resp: 8,05
